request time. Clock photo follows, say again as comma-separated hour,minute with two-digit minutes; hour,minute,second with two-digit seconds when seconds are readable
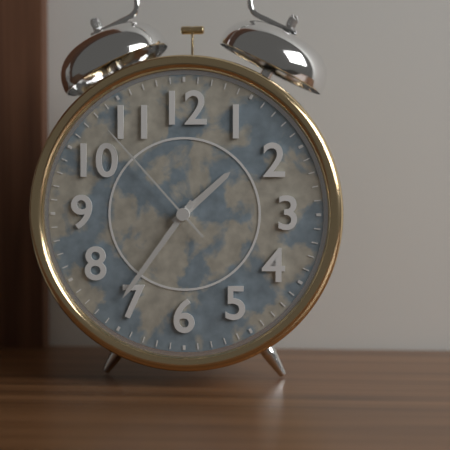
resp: 1,36,53
